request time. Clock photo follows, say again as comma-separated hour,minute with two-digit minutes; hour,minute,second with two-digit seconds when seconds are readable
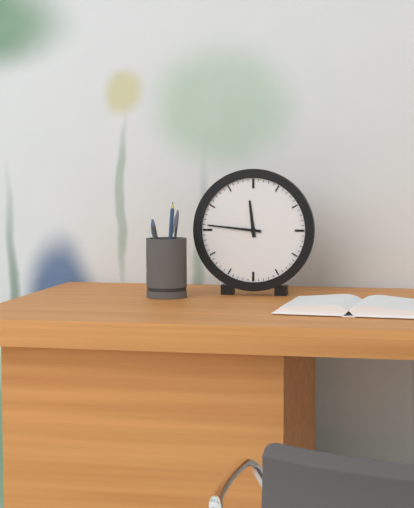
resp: 11,46
